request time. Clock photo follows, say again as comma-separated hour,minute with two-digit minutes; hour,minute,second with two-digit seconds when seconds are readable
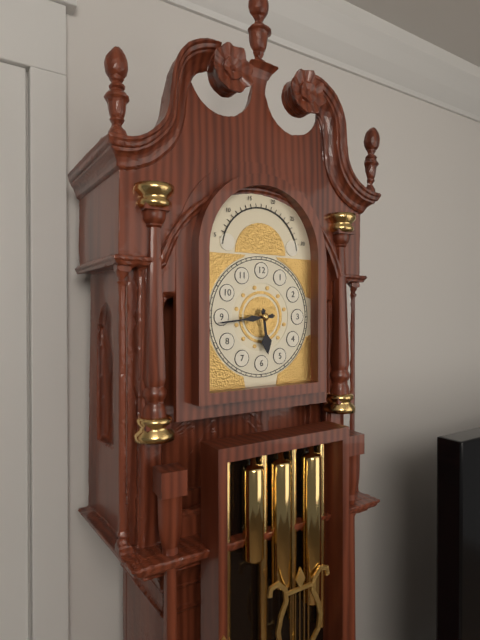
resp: 5,44
